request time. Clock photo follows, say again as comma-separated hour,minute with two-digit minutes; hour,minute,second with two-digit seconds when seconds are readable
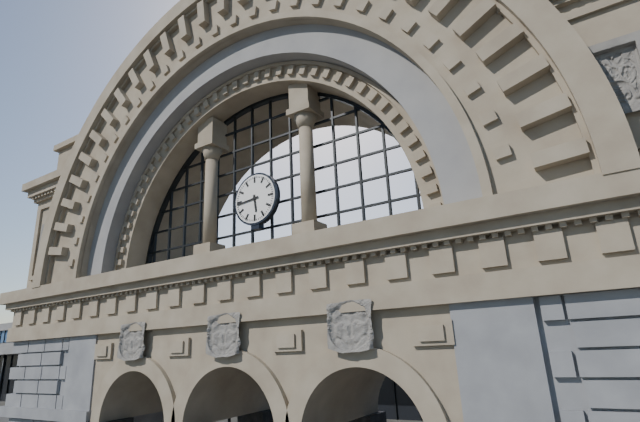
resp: 5,44
